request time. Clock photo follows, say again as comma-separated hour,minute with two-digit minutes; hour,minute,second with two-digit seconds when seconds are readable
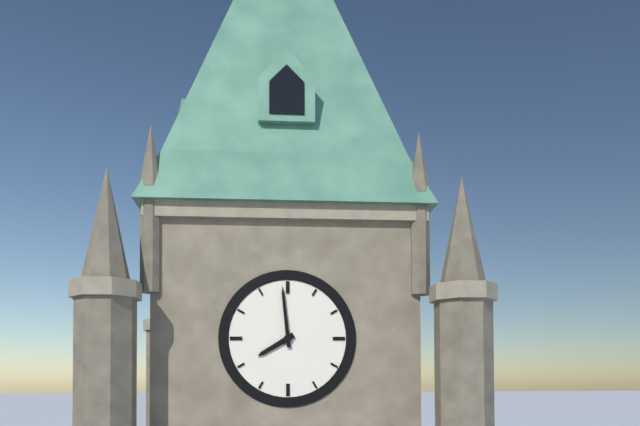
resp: 7,59
